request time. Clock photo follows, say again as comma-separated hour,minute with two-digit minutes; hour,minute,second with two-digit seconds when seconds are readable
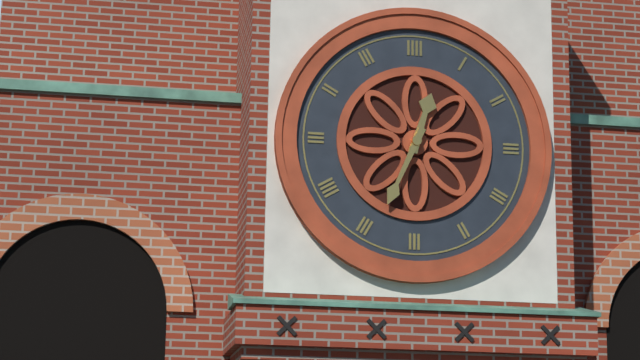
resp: 12,34
